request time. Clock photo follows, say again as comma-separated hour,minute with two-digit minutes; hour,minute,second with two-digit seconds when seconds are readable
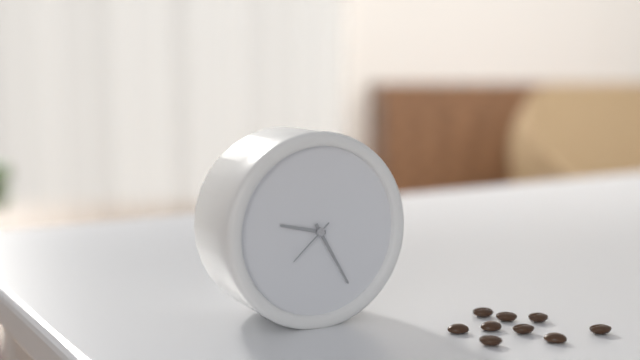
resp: 9,25,38
